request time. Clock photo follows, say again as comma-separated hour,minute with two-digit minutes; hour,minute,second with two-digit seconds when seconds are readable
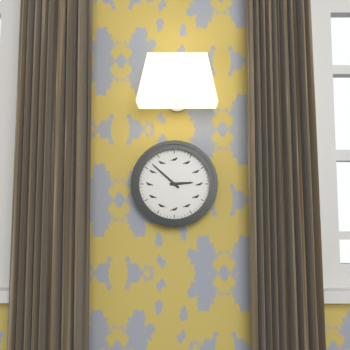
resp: 2,52
